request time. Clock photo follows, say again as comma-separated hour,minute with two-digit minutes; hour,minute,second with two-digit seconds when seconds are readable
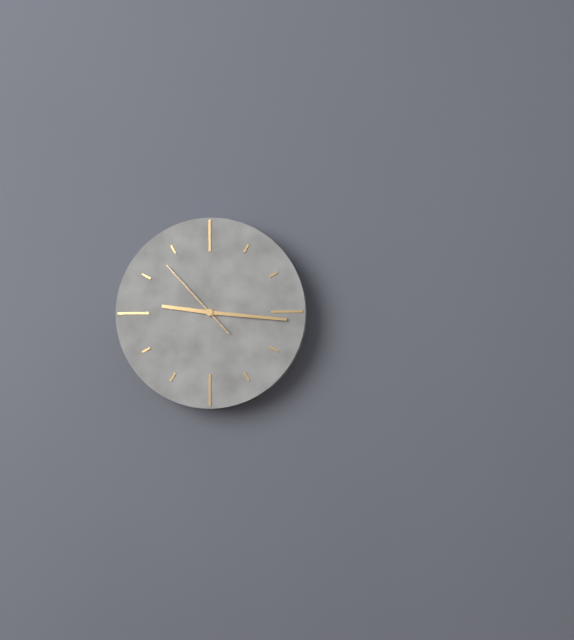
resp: 9,16,53
